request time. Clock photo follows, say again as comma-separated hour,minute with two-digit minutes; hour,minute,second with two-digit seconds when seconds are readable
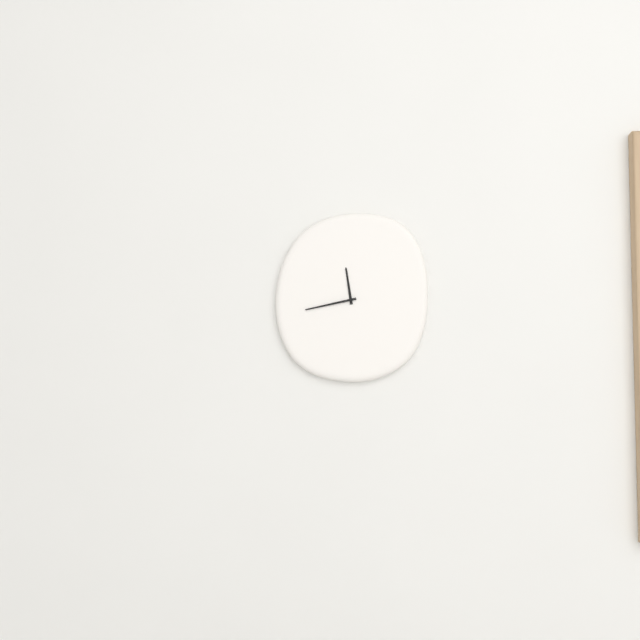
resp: 11,43
